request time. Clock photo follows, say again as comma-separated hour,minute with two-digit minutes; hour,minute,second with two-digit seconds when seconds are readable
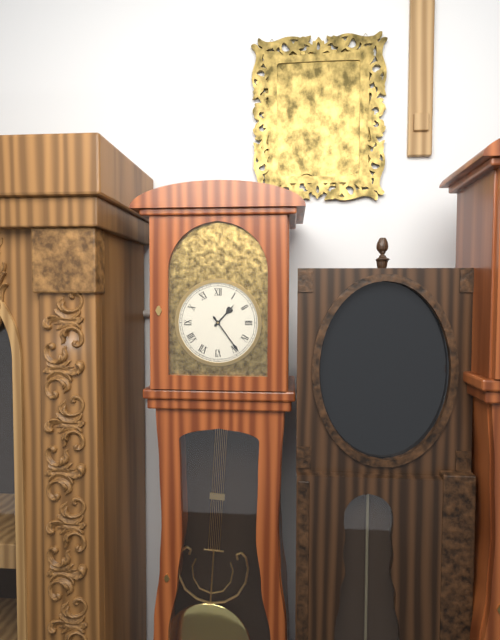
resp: 1,24
